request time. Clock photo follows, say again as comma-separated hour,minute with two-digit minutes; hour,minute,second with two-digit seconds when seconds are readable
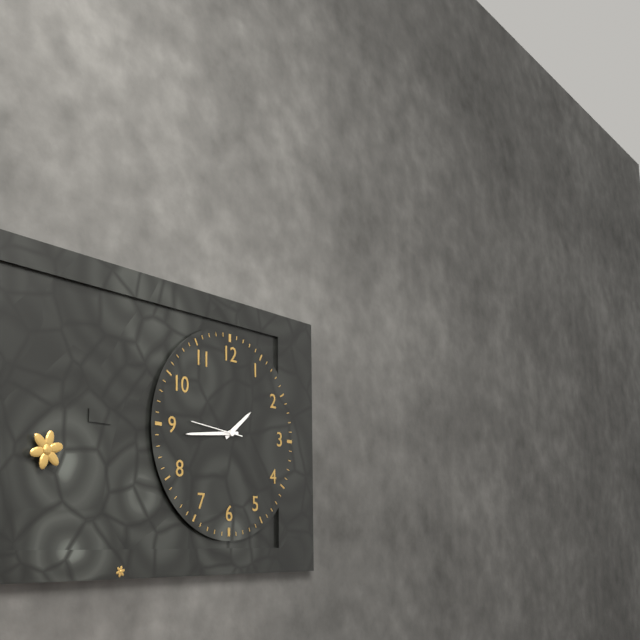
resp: 1,44,46
